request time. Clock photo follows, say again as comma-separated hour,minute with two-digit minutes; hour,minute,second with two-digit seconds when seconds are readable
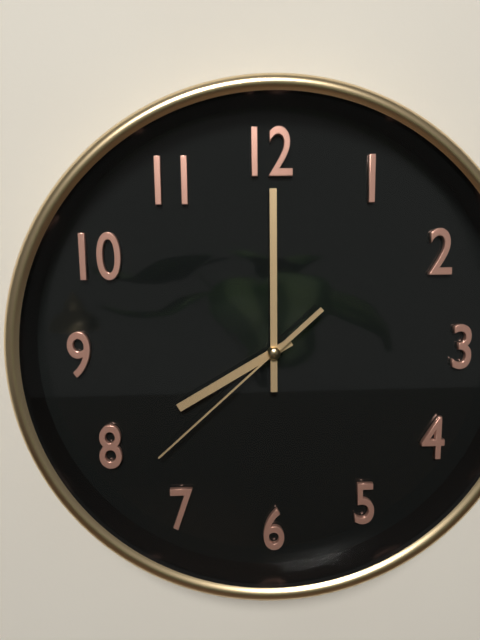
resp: 8,00,38
